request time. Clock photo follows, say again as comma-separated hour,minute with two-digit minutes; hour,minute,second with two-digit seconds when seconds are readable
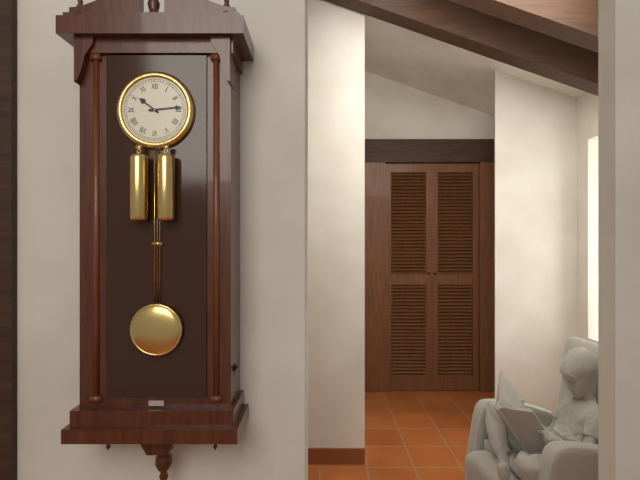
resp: 10,14
